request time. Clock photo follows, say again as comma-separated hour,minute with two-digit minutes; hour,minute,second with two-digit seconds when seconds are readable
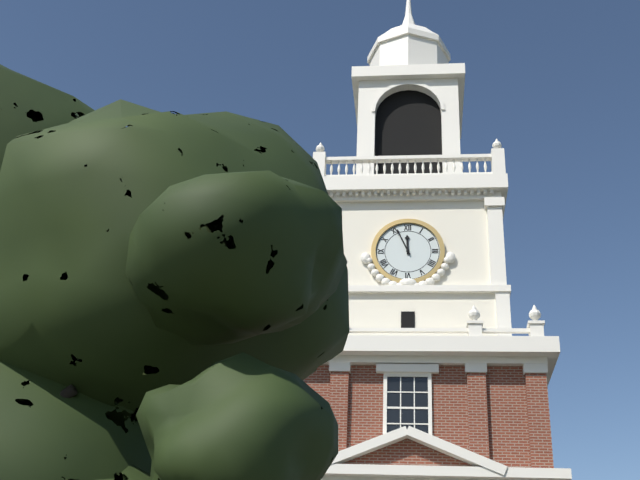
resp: 11,56
